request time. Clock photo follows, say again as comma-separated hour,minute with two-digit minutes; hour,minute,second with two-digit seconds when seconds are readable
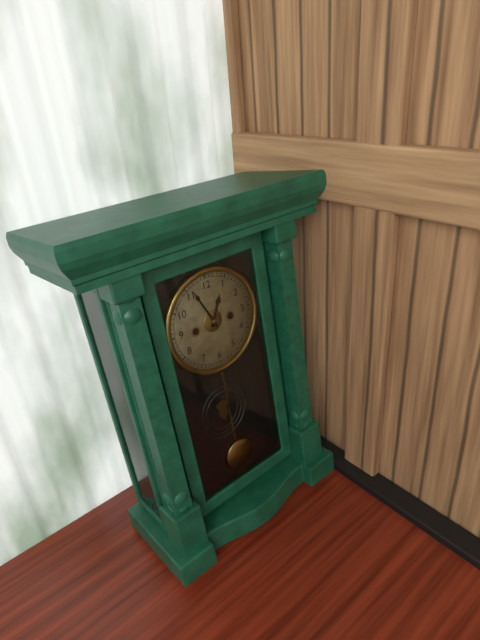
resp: 12,56
